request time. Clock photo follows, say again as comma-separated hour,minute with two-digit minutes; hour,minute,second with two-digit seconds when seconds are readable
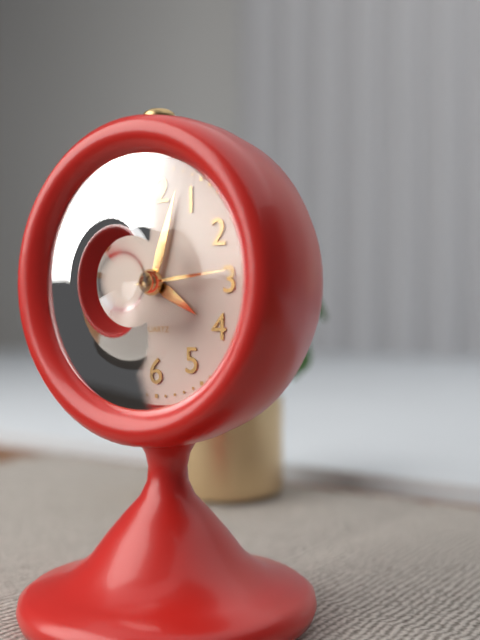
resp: 4,03,14
